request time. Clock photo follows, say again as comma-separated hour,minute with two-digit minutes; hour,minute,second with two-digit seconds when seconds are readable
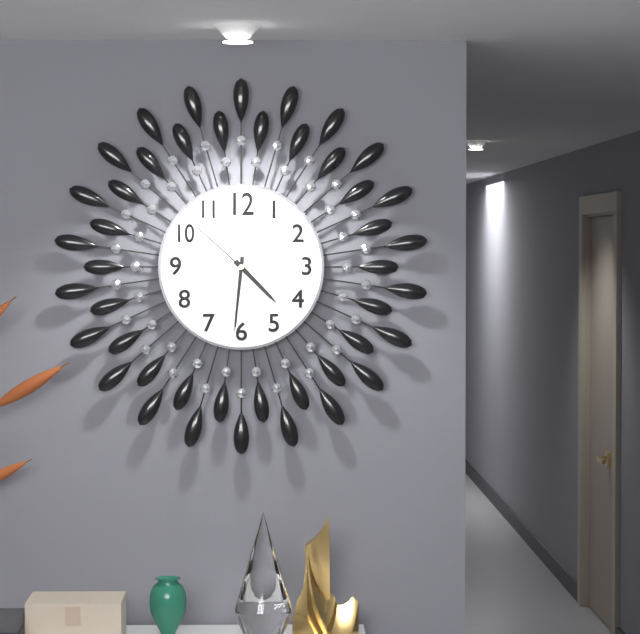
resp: 4,31,52
